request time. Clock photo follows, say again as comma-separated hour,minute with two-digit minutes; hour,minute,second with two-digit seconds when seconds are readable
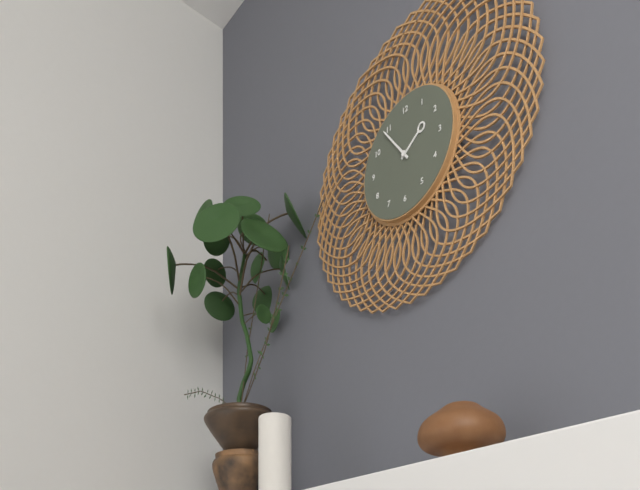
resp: 1,54
